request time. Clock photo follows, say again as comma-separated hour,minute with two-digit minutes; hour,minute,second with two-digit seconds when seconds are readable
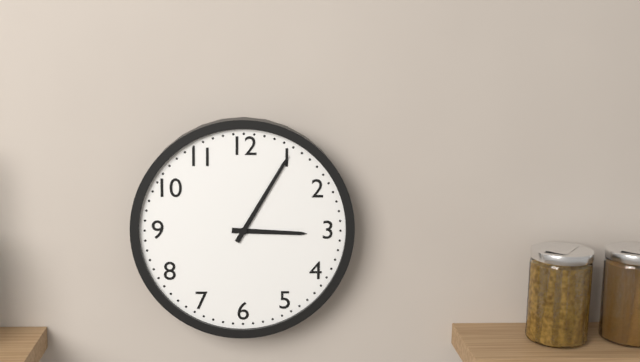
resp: 3,05
